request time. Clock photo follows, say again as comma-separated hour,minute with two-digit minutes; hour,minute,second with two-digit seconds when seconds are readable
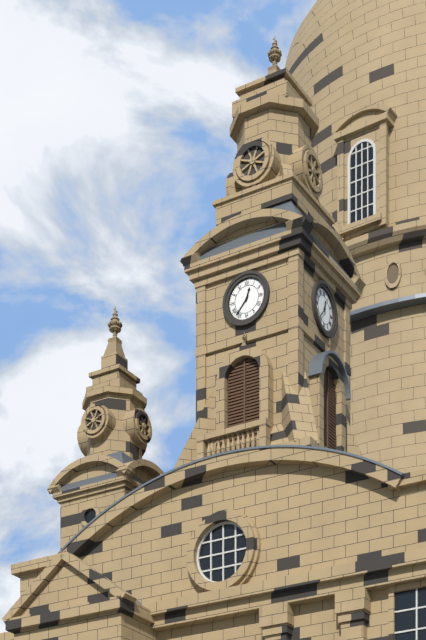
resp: 12,37
